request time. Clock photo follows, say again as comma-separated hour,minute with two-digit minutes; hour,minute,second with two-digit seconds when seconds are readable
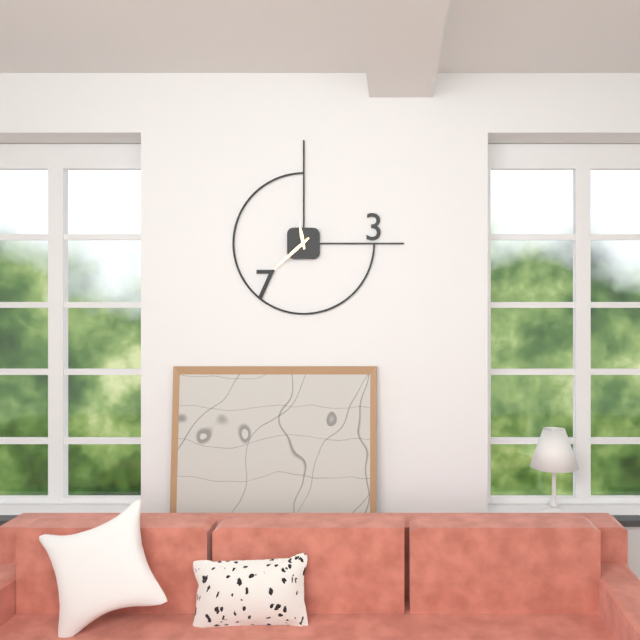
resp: 11,38
